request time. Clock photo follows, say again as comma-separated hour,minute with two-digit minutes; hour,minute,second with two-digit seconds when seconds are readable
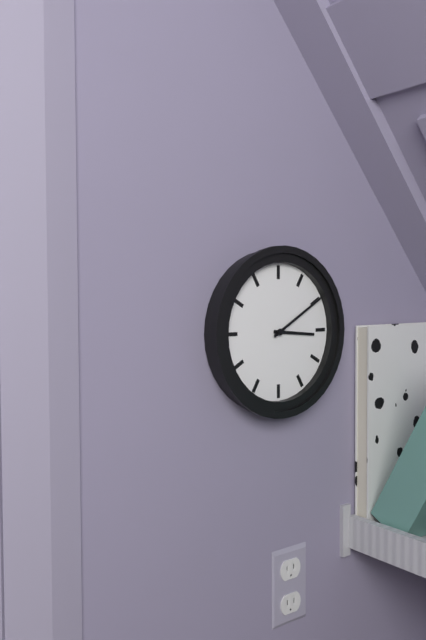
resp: 3,10
